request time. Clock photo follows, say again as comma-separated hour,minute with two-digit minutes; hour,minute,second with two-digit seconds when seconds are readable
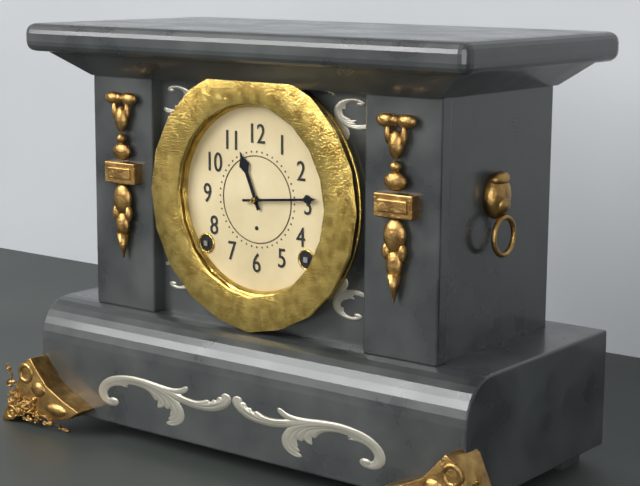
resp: 11,14
